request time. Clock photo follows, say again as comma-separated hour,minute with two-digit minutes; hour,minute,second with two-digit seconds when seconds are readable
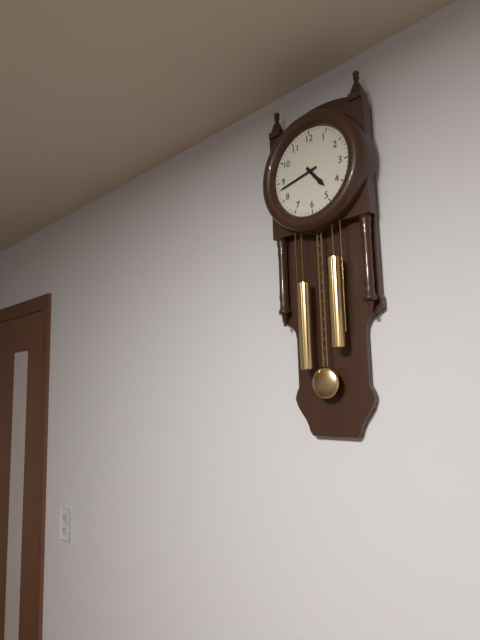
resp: 4,43
